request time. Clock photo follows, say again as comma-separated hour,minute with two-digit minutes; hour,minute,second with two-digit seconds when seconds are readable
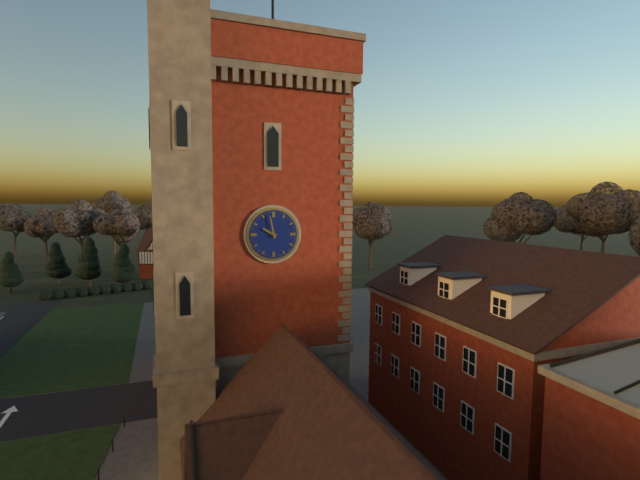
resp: 9,58
